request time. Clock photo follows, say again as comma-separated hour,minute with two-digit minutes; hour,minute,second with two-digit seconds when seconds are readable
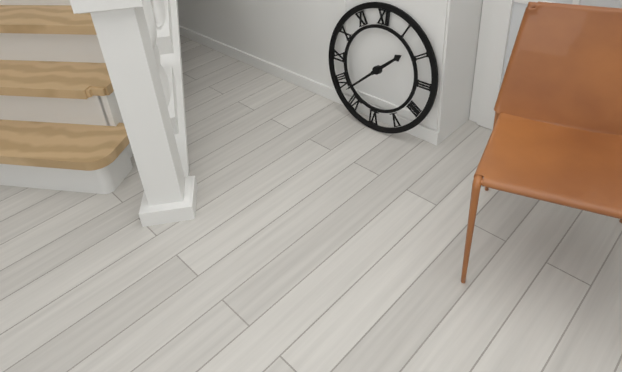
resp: 1,38
